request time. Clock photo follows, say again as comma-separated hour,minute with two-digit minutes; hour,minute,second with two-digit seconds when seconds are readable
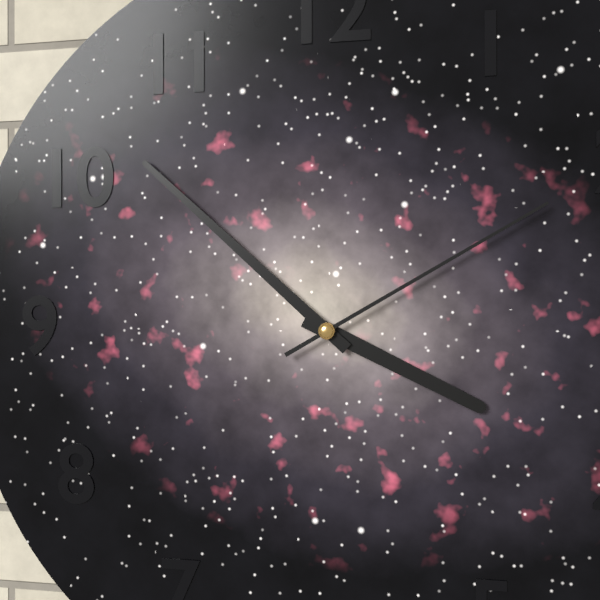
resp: 3,52,10
